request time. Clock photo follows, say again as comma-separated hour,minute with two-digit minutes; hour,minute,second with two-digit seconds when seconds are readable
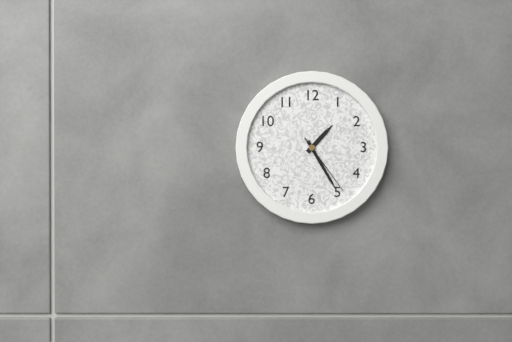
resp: 1,25,24
